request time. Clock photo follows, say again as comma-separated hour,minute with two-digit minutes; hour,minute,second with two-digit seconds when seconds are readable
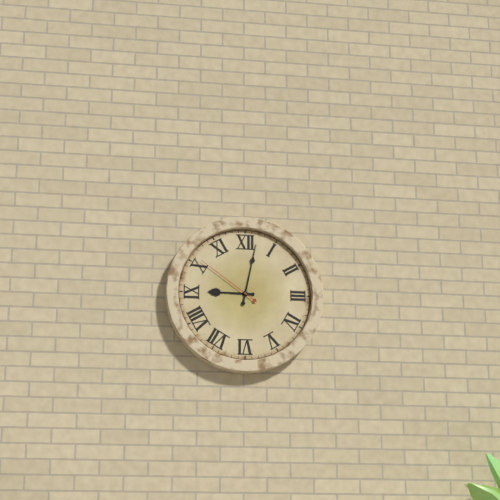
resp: 9,02,51
